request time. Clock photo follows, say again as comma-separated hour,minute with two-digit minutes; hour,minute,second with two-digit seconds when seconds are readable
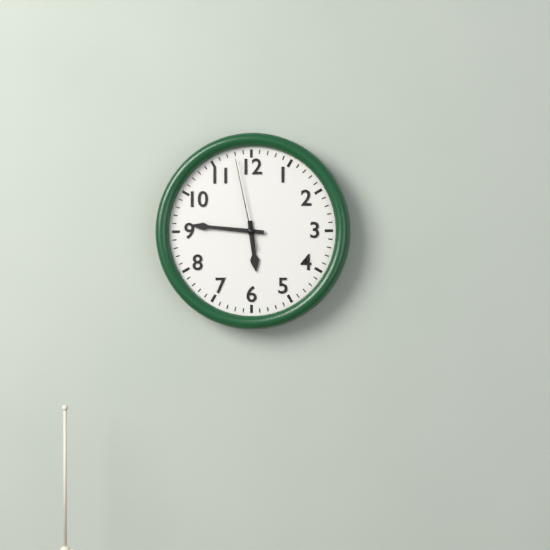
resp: 5,46,58
